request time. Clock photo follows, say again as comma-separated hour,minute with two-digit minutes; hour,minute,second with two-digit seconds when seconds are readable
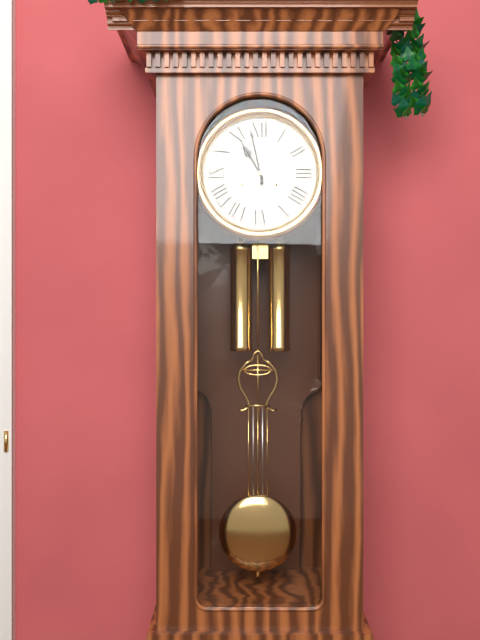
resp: 10,58
